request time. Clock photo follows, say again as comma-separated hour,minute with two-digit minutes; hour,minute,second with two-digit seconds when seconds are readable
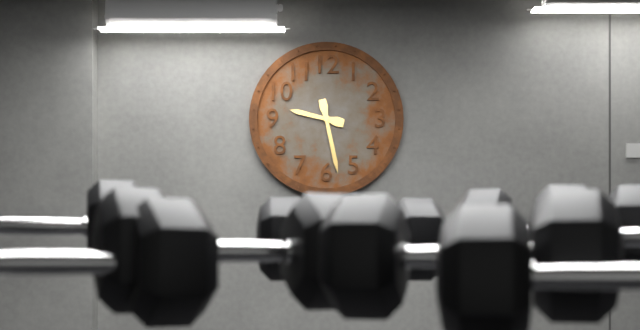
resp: 9,28
